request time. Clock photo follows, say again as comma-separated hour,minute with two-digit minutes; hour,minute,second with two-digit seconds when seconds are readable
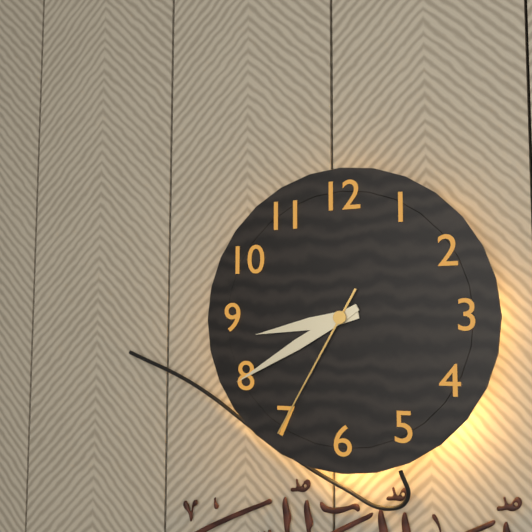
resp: 8,40,35
